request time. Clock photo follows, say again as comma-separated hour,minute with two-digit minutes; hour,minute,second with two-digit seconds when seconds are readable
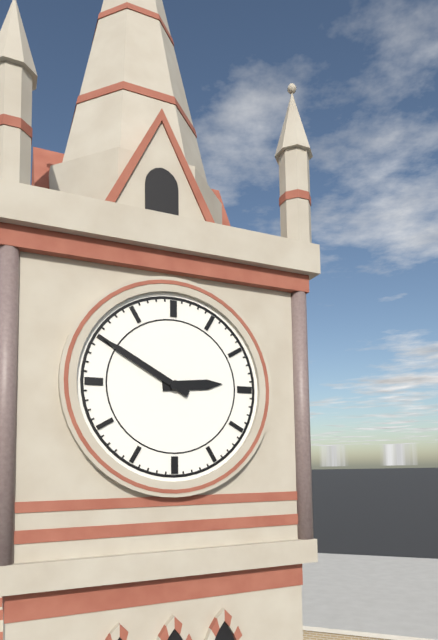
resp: 2,50
